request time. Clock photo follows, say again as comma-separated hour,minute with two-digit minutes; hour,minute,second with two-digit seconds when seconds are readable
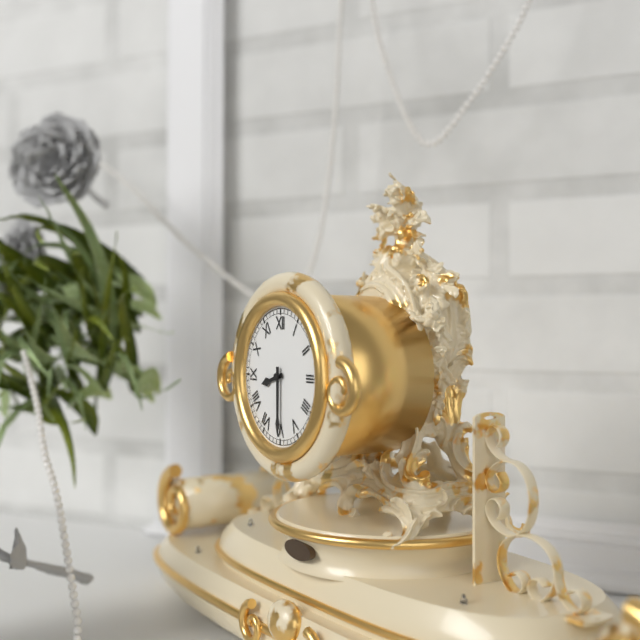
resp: 8,30
